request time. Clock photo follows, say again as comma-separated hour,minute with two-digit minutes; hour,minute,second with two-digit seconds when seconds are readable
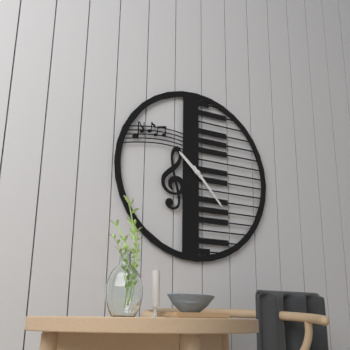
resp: 10,23
